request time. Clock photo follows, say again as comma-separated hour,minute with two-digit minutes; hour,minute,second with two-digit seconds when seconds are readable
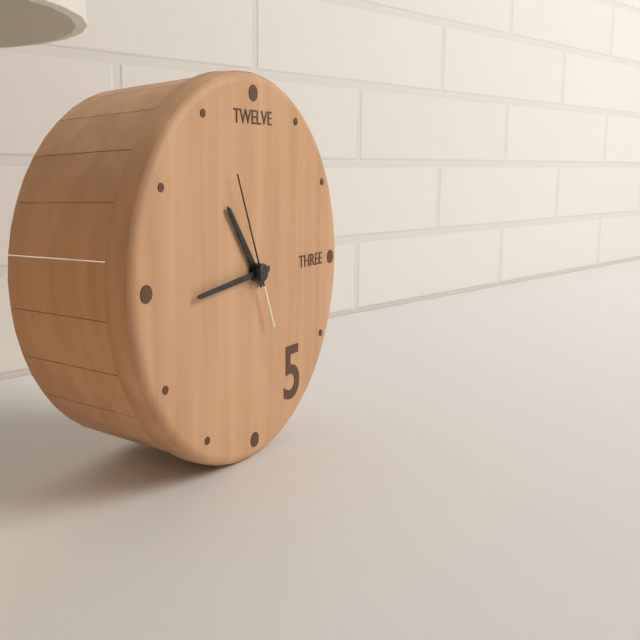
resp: 10,44,56
